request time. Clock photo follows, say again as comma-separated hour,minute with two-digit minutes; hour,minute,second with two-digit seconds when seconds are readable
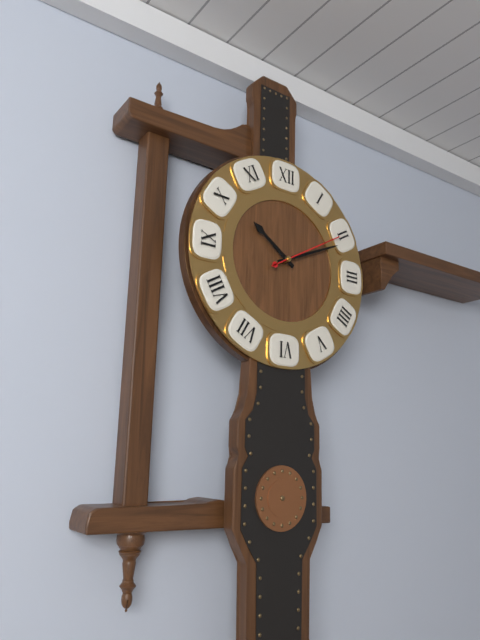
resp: 10,11,10
